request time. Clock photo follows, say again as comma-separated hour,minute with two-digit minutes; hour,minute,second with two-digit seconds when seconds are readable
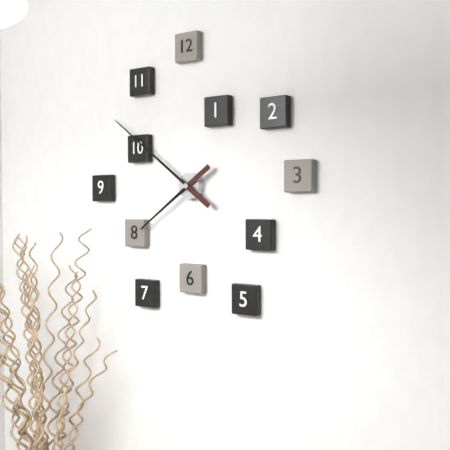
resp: 7,51
